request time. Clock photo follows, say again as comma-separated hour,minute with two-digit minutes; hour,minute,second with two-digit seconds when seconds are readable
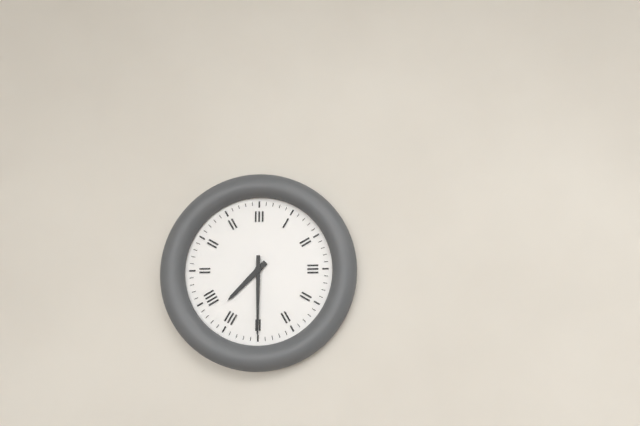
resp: 7,30
